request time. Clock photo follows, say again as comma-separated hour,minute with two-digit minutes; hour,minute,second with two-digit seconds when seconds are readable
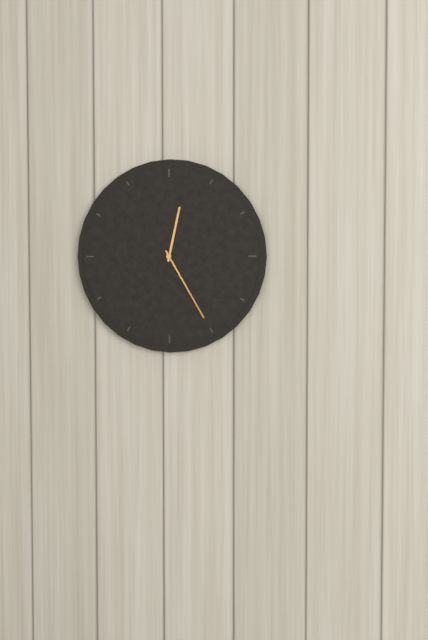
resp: 12,25
